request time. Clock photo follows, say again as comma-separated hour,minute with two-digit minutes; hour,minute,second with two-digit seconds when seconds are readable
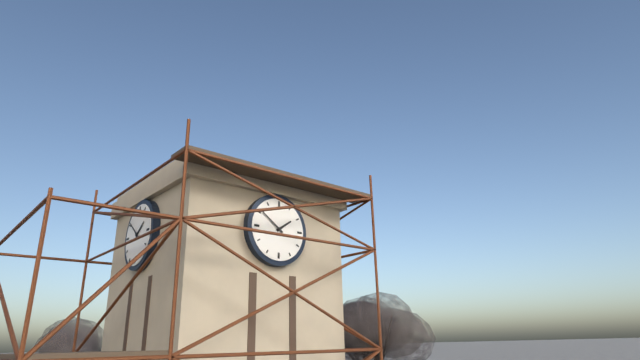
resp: 1,51
